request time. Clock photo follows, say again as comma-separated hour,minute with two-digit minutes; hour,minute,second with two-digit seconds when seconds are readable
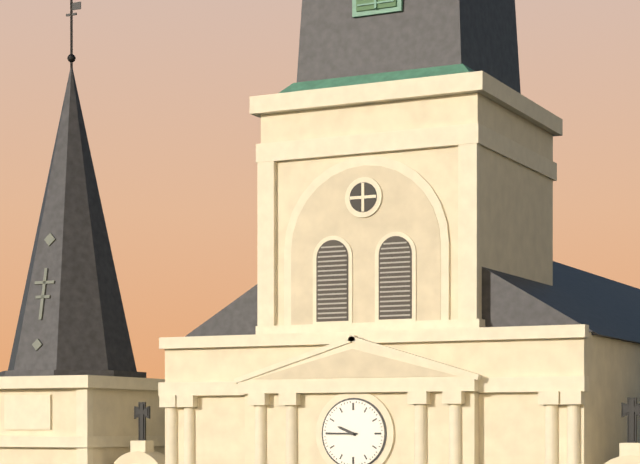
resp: 9,45
